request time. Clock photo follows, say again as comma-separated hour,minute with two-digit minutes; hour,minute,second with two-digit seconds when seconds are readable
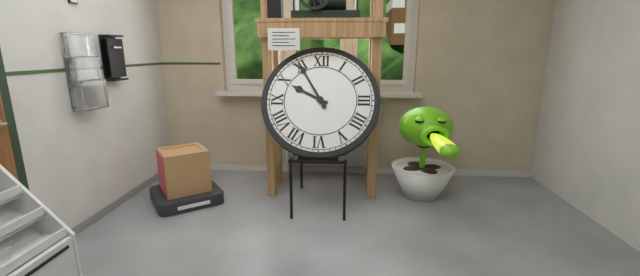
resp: 9,55
